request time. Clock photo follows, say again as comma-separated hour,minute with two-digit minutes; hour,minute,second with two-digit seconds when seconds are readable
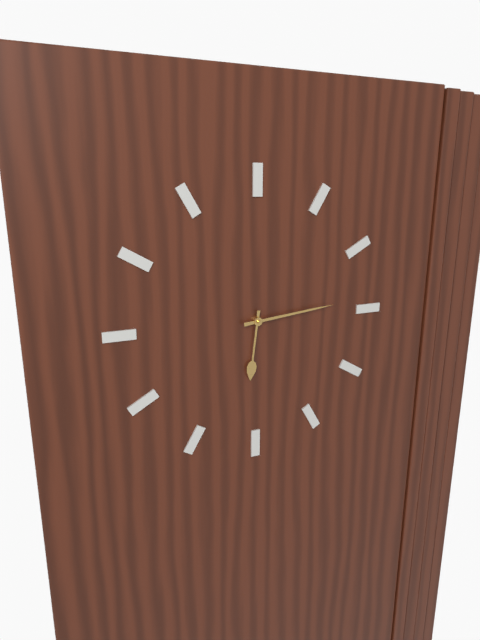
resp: 6,14
